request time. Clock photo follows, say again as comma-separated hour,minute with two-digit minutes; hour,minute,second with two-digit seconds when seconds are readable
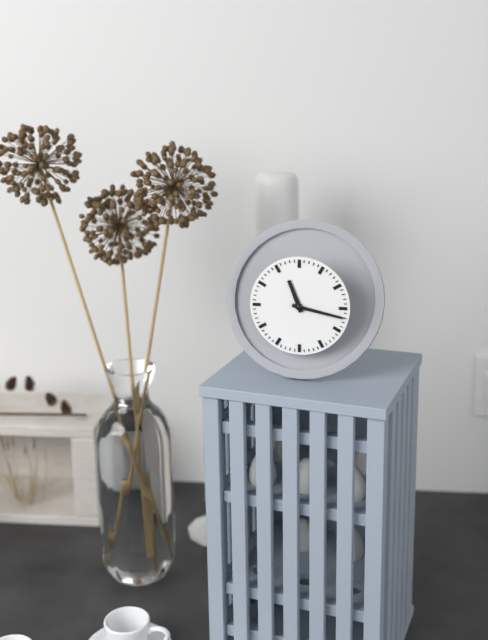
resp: 11,17
